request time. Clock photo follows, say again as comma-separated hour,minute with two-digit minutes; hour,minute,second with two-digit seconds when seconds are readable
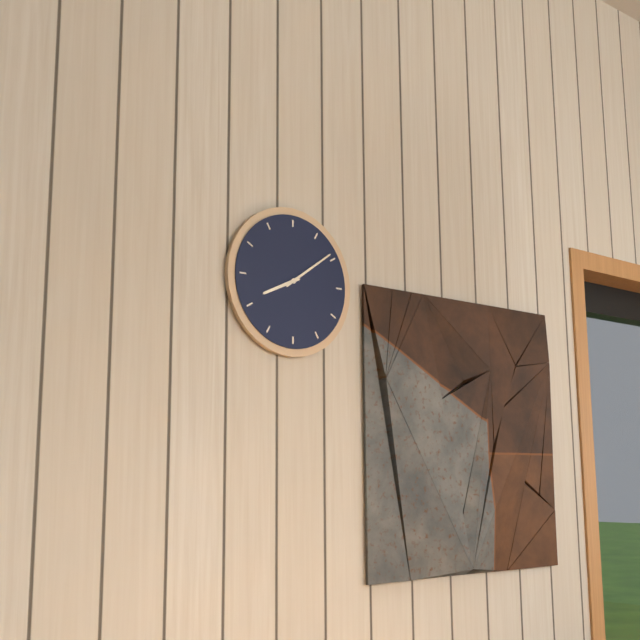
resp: 8,09
